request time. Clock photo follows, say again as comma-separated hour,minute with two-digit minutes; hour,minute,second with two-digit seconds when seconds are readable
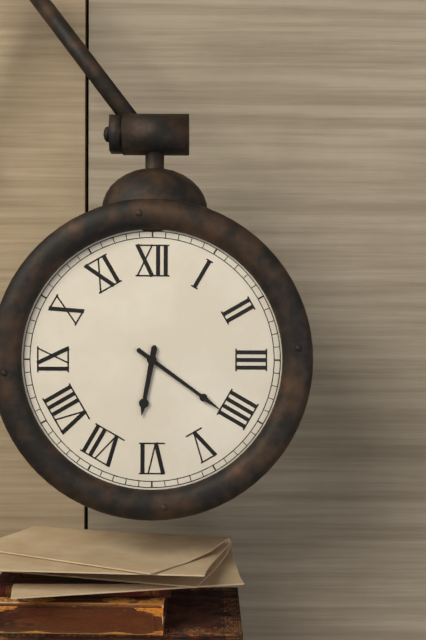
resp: 6,21
